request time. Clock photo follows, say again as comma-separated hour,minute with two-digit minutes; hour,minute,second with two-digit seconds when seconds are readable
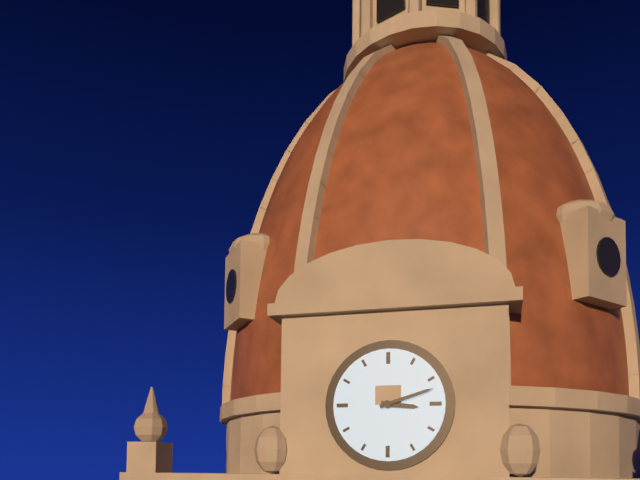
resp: 3,12
